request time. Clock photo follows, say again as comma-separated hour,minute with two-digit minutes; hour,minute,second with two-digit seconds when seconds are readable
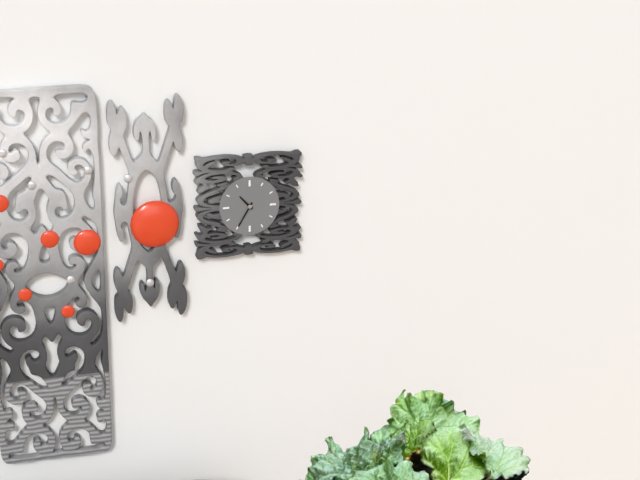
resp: 10,35
